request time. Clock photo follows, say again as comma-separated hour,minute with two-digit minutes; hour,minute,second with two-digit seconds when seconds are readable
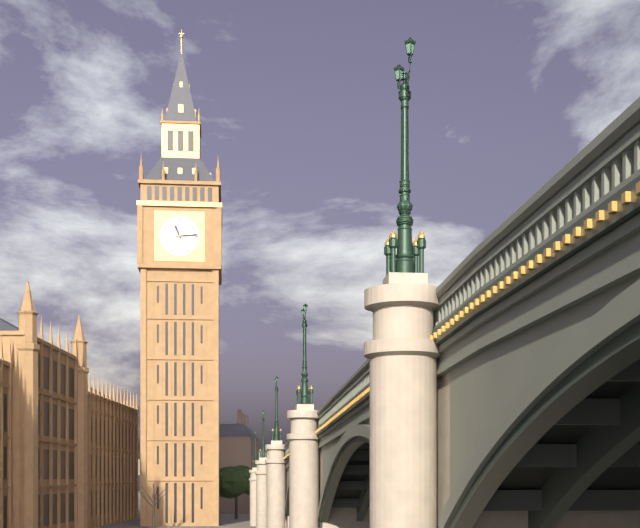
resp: 11,14
